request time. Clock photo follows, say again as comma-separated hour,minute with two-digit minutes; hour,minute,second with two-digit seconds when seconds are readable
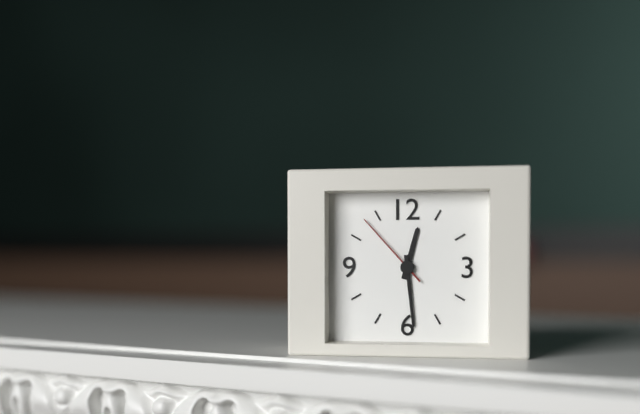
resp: 12,29,53
